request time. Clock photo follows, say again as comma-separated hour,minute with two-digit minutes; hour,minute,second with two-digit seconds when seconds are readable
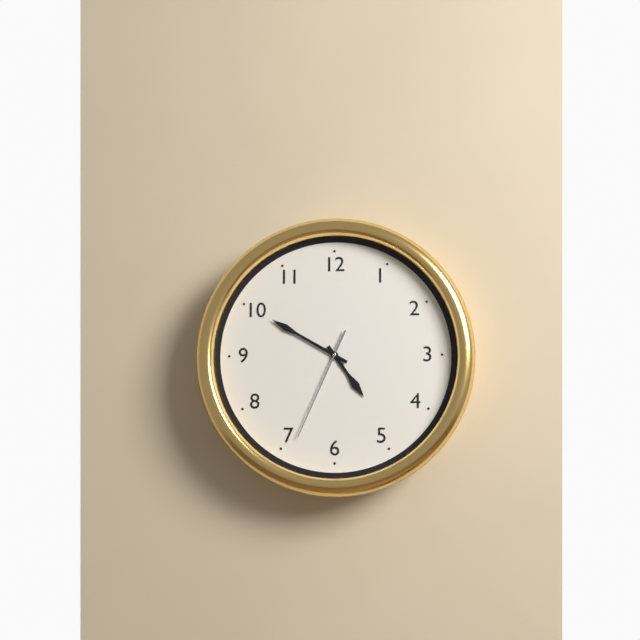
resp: 4,50,34
